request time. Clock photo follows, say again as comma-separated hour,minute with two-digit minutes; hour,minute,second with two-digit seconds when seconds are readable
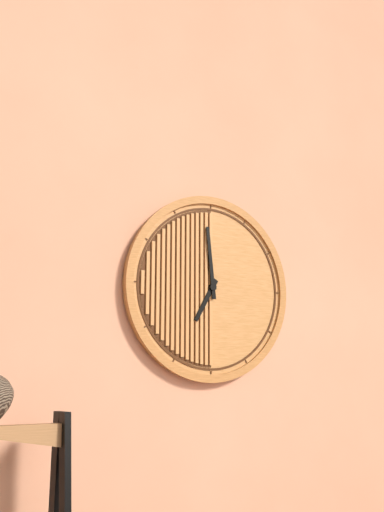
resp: 6,59
